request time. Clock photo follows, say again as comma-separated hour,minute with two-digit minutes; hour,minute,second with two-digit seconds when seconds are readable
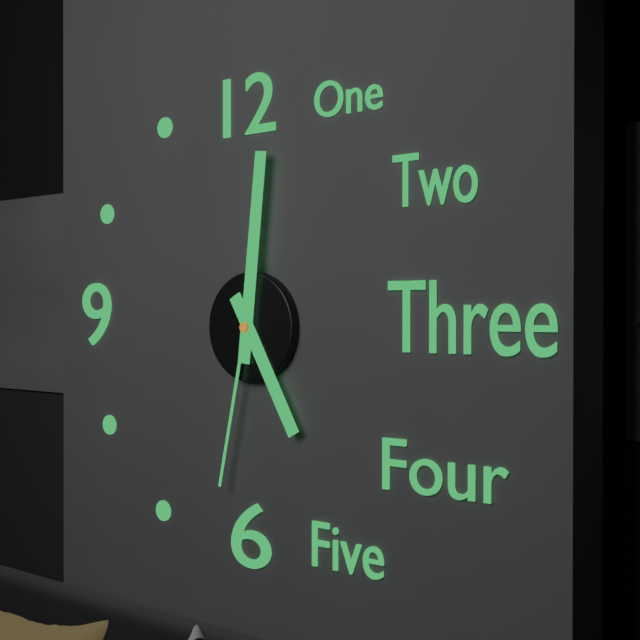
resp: 5,01,32
